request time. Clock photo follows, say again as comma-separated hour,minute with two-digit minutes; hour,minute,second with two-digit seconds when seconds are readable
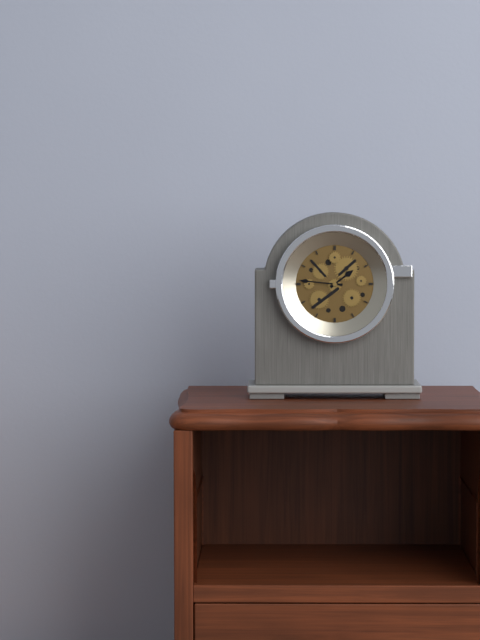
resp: 1,46
